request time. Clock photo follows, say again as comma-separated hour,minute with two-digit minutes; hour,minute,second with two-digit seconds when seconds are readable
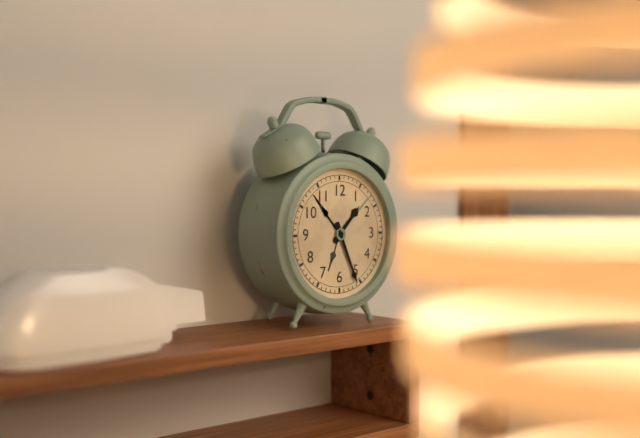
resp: 1,26
